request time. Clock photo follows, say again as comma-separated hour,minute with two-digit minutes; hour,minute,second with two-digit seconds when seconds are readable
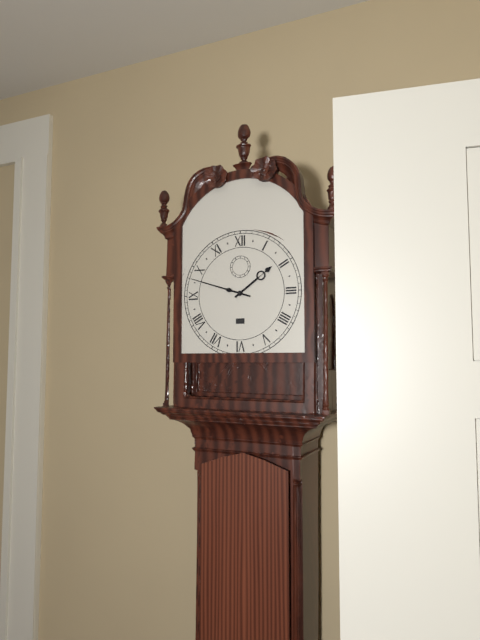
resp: 1,48
